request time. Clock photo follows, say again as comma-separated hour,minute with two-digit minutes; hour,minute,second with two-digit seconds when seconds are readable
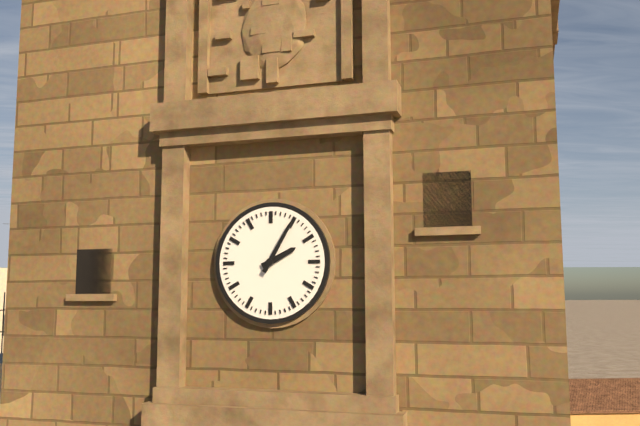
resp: 2,05
